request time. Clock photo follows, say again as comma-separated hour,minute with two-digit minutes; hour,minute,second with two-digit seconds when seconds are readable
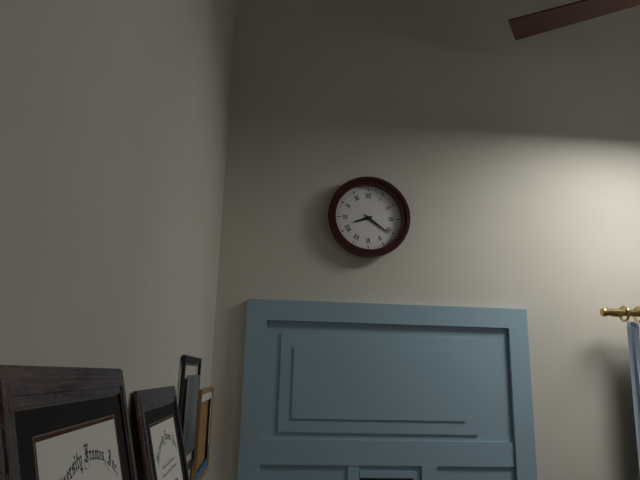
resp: 8,21
